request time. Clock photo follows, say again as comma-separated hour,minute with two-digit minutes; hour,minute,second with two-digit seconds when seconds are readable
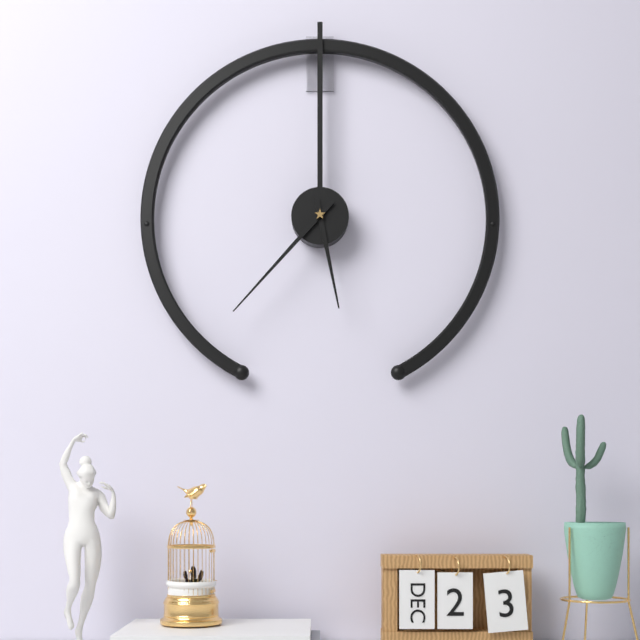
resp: 5,37
